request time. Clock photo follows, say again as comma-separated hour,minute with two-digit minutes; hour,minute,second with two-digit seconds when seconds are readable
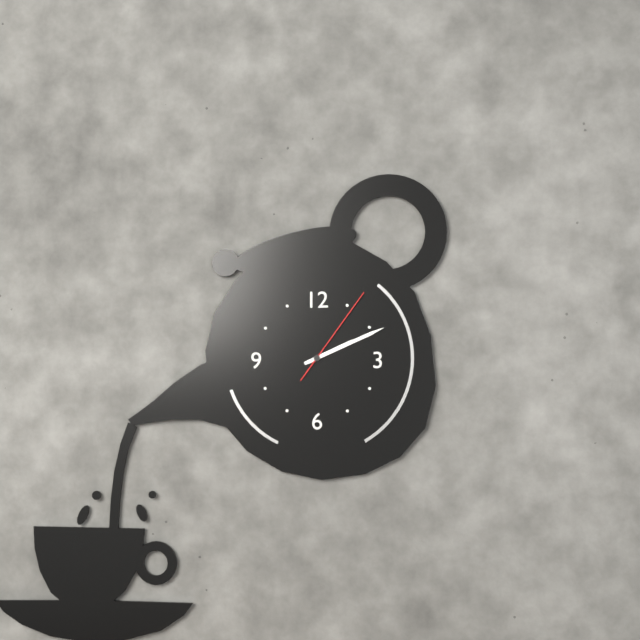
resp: 2,11,06
